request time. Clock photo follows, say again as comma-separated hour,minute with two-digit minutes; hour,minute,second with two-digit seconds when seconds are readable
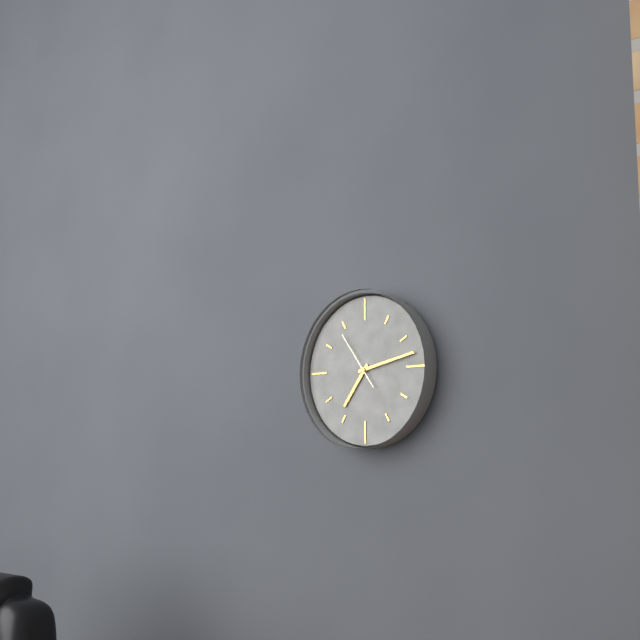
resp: 7,13,54
